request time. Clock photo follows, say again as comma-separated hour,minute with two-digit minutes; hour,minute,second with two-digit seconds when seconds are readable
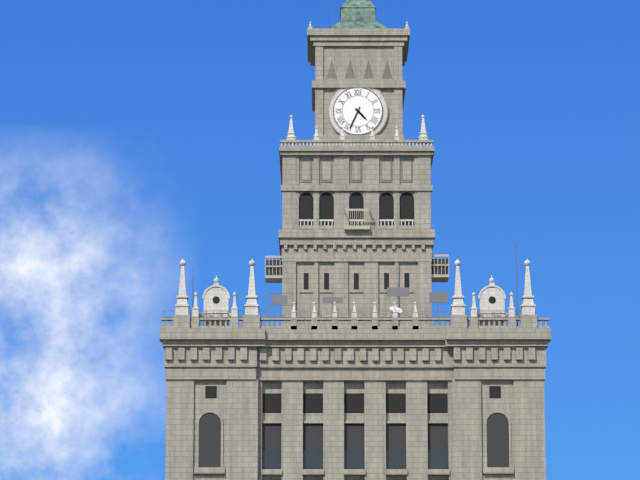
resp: 4,34
